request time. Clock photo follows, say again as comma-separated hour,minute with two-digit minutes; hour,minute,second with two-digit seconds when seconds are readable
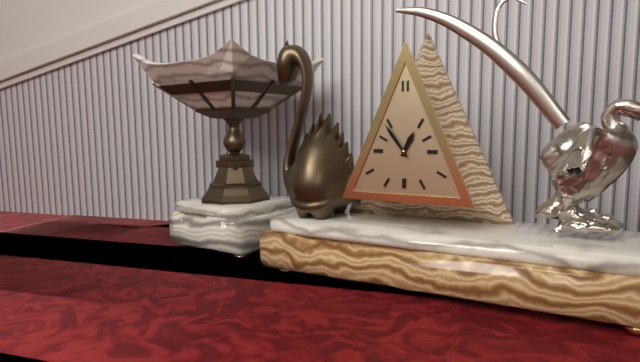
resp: 12,54
